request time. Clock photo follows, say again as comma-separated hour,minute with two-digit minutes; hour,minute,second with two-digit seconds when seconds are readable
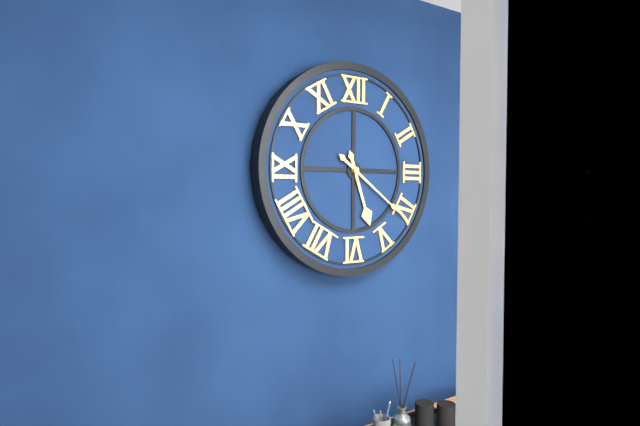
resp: 5,21
